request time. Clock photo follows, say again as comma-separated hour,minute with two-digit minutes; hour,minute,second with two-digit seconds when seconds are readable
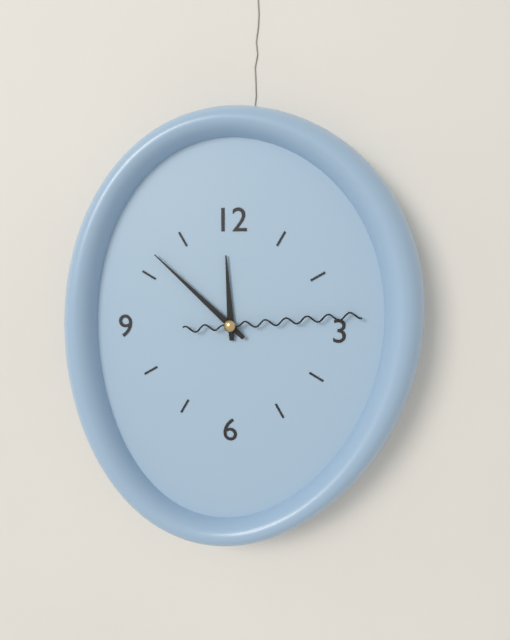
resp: 11,52,14
